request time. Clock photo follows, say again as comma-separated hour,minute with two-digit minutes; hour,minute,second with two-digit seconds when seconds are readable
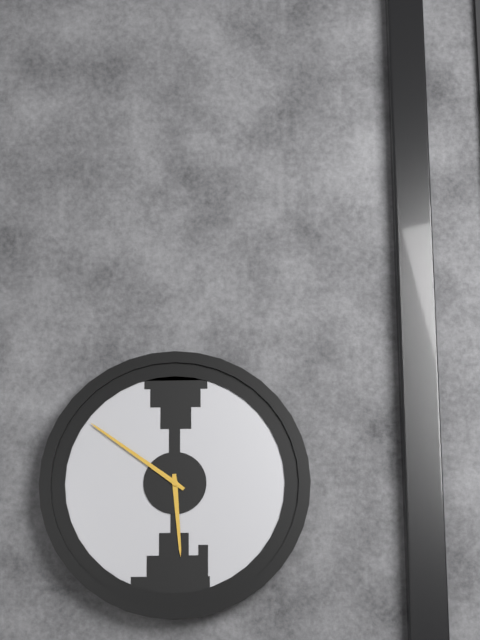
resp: 5,51
